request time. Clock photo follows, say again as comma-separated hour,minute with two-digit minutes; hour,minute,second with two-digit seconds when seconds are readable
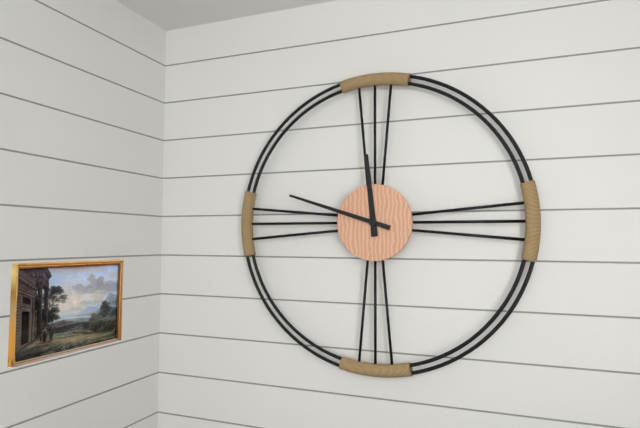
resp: 11,48
